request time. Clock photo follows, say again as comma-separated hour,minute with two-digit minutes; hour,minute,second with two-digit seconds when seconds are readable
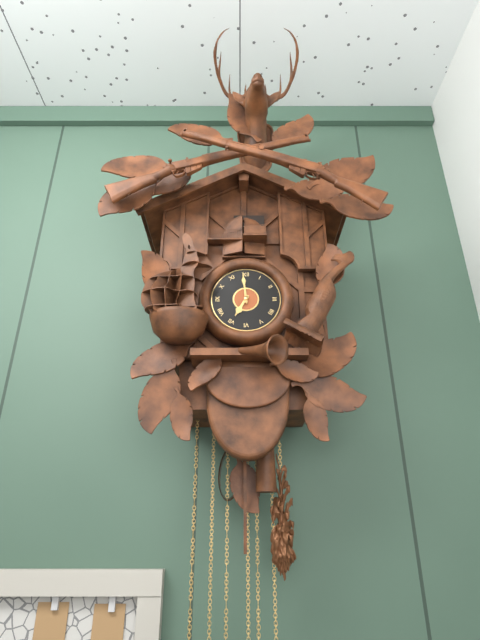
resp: 6,59
